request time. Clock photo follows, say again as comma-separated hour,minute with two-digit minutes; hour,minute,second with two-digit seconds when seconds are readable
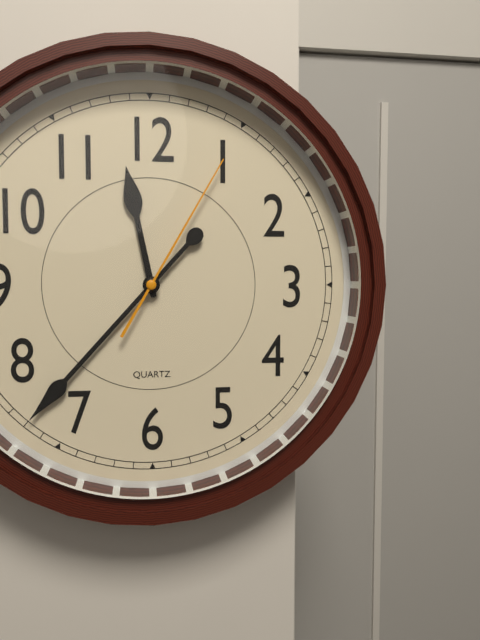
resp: 11,37,05
